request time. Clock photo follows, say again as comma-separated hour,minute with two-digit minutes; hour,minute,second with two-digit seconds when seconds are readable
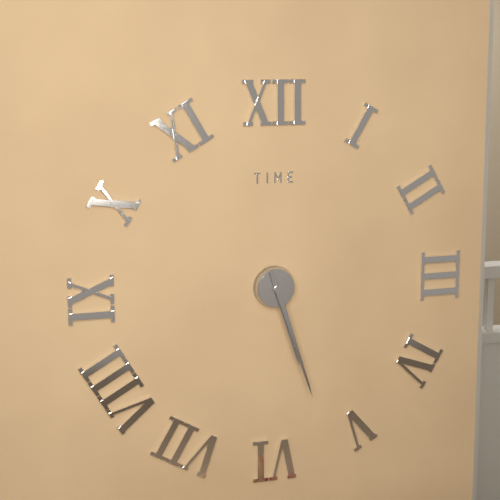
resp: 5,27
